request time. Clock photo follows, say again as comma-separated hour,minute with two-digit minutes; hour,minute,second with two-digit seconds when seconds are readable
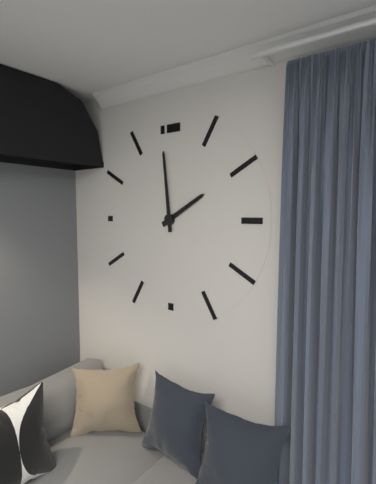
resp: 1,59
